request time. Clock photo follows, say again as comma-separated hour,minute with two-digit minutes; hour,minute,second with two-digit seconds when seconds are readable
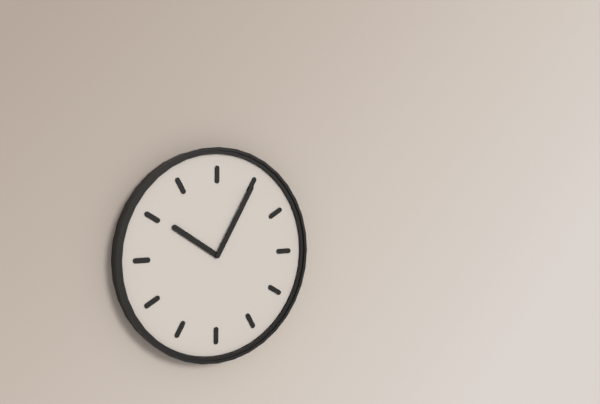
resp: 10,05
